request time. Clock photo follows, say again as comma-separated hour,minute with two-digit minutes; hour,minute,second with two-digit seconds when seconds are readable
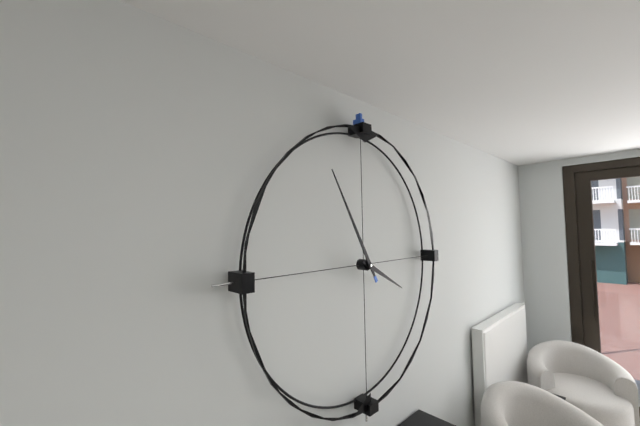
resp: 3,55
